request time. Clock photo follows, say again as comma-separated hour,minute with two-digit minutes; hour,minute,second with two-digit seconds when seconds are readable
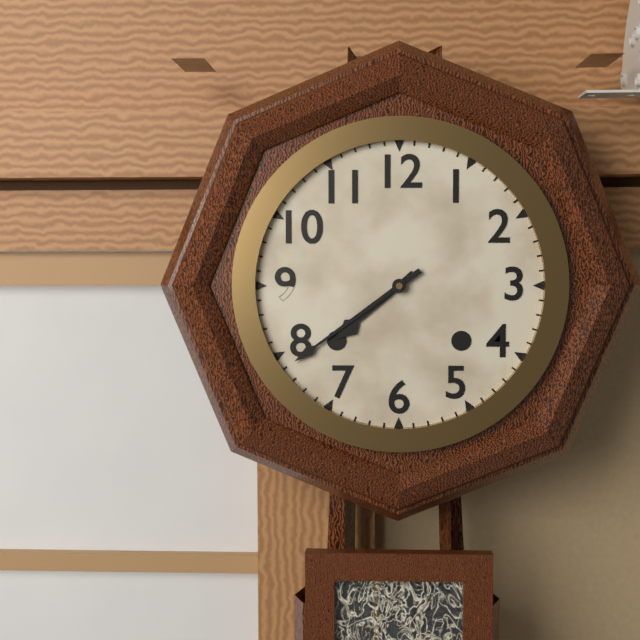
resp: 7,39
